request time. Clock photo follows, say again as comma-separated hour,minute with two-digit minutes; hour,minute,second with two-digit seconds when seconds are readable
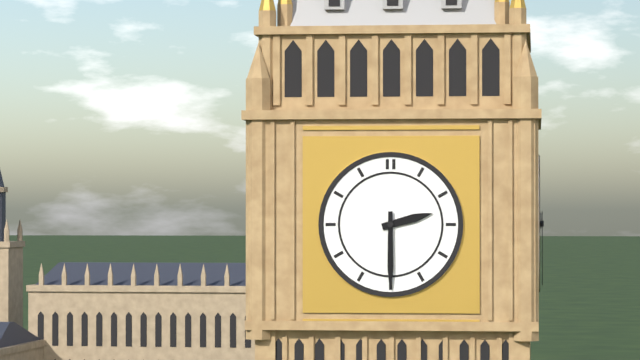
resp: 2,30
